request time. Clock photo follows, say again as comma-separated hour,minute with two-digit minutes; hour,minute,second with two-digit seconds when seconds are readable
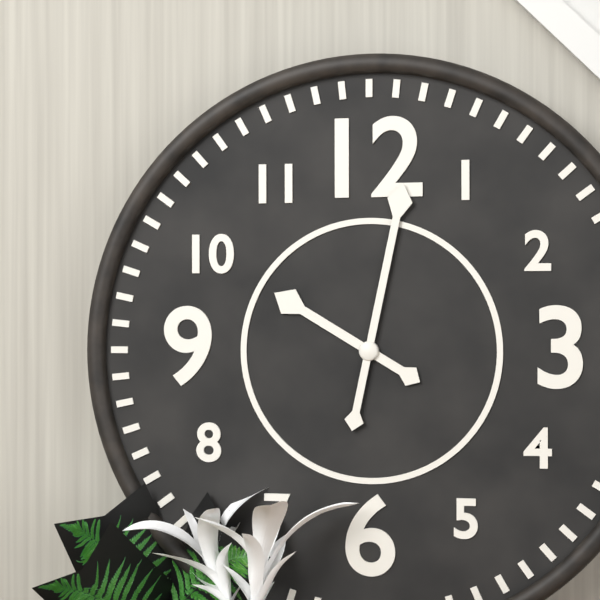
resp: 10,02
